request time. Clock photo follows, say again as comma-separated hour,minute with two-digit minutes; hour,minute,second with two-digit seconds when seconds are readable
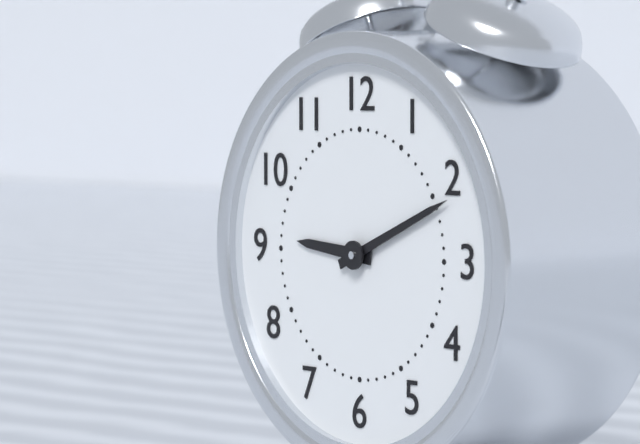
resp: 9,11
